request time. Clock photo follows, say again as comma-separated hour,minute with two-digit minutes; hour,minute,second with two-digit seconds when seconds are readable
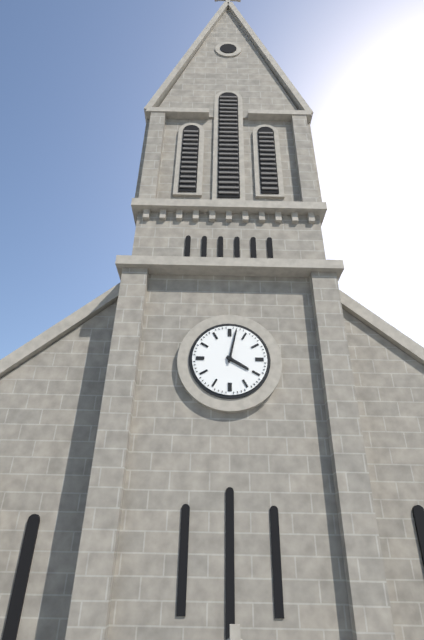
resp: 4,02
